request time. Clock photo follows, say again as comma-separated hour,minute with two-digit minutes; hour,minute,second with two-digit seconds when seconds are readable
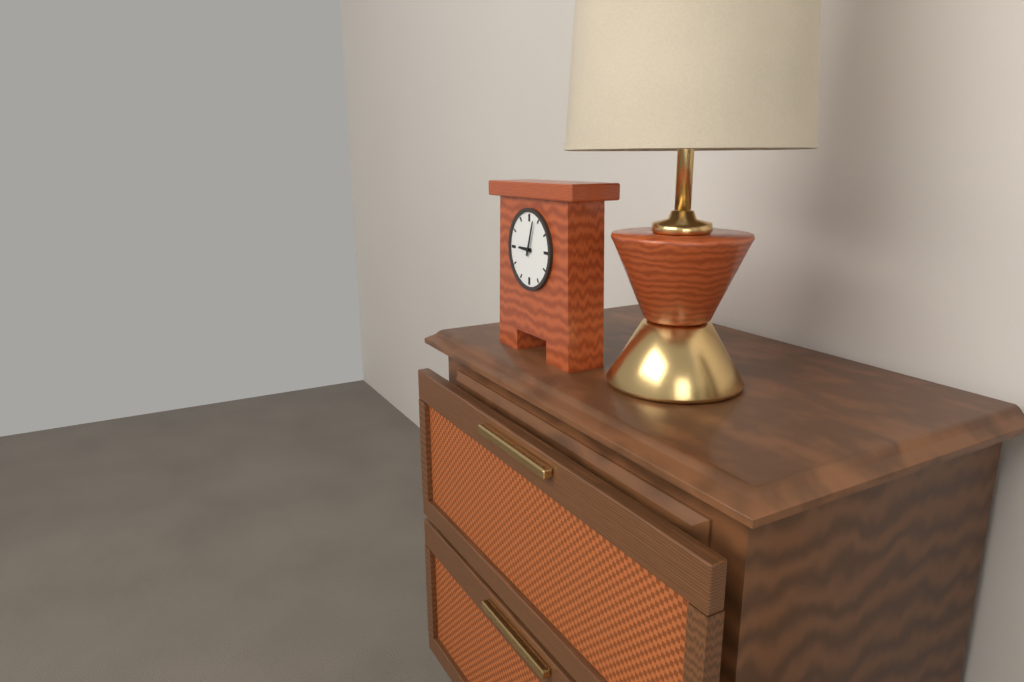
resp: 9,03
